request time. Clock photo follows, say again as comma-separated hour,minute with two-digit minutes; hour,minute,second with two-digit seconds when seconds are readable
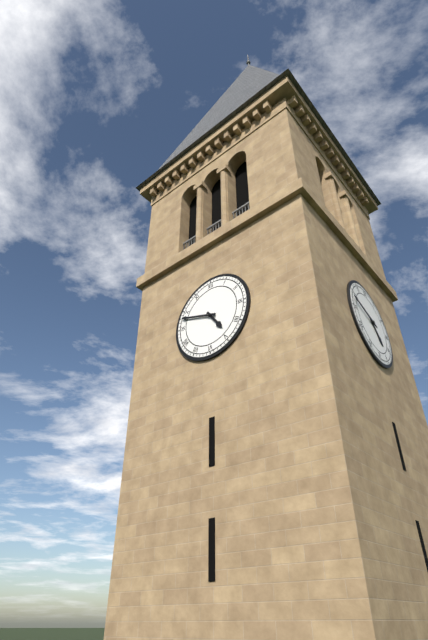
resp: 4,48
